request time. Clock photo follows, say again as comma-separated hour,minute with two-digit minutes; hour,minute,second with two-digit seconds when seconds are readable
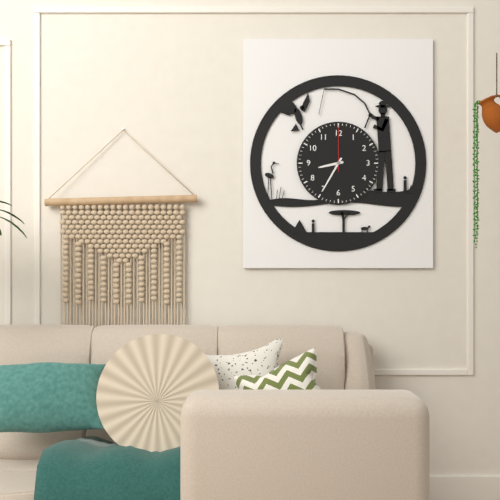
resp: 8,35
